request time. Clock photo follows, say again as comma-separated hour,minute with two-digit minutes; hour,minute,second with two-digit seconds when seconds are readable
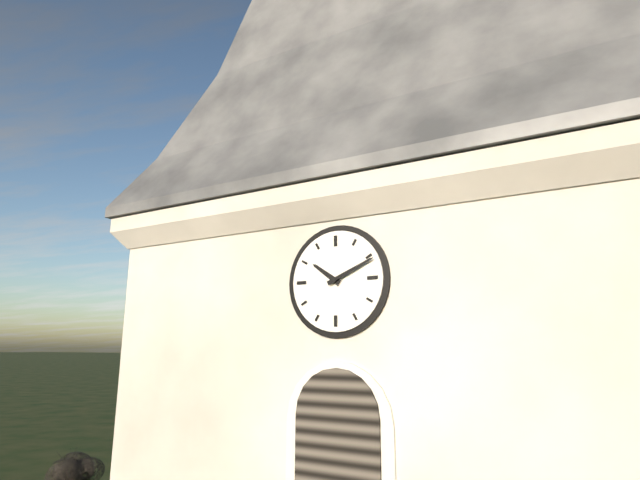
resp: 10,11
